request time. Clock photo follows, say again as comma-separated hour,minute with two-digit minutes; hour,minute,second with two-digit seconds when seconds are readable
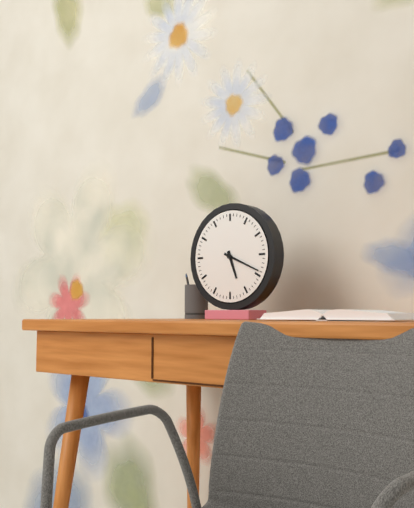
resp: 5,19
